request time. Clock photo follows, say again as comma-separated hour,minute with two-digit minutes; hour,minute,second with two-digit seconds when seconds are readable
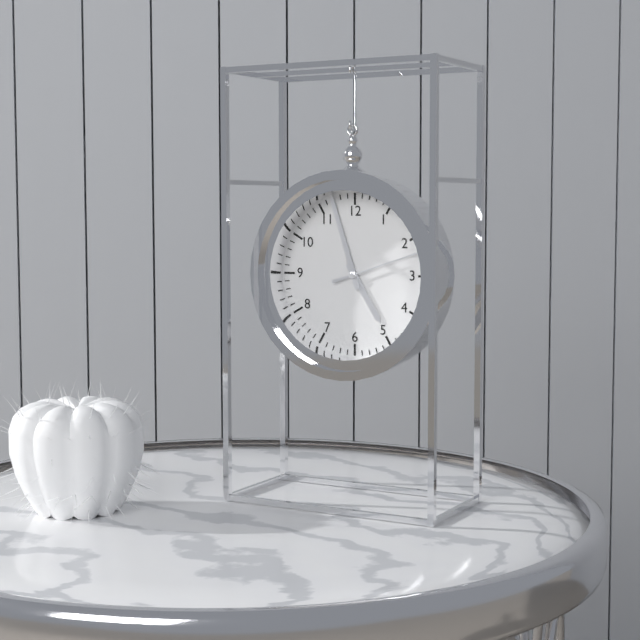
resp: 4,57,12
